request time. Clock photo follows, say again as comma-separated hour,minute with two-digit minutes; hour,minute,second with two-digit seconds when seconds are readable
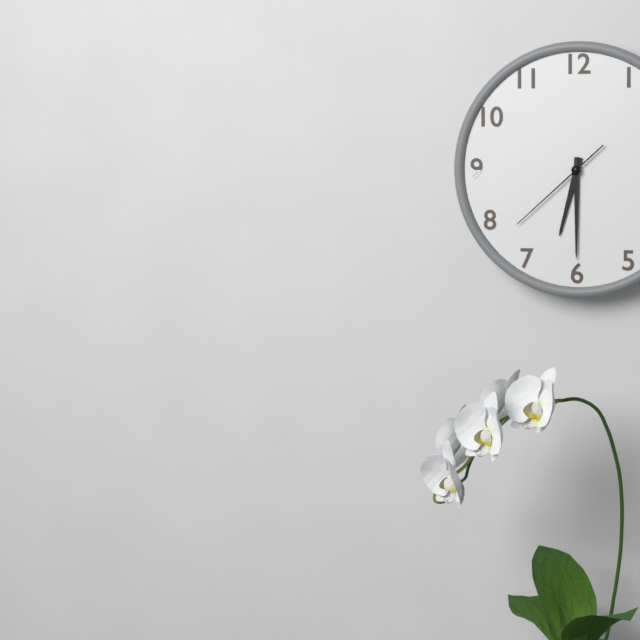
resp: 6,30,38
